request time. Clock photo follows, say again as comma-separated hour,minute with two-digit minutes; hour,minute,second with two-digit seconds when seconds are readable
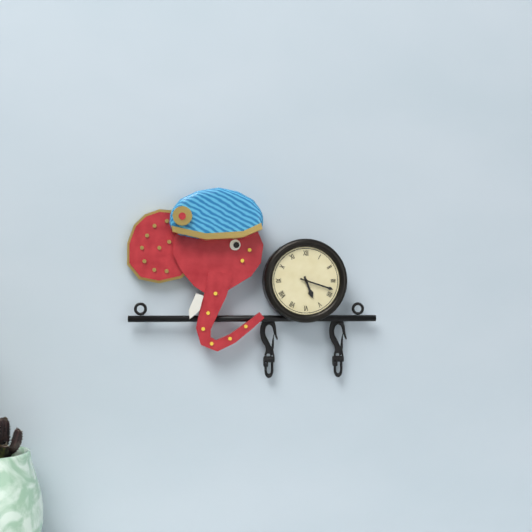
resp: 5,18
